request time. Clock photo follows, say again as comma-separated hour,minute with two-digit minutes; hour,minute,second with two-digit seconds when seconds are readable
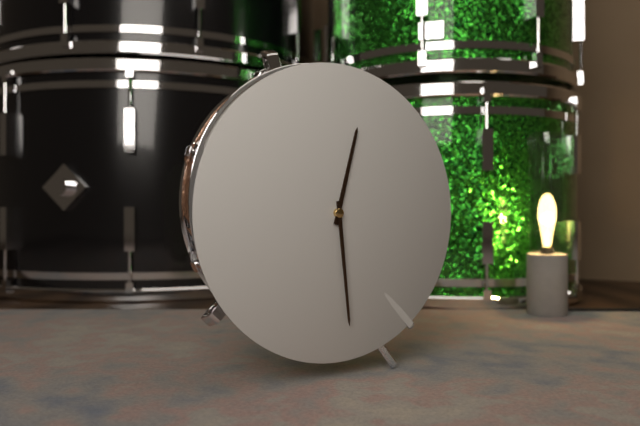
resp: 12,29
